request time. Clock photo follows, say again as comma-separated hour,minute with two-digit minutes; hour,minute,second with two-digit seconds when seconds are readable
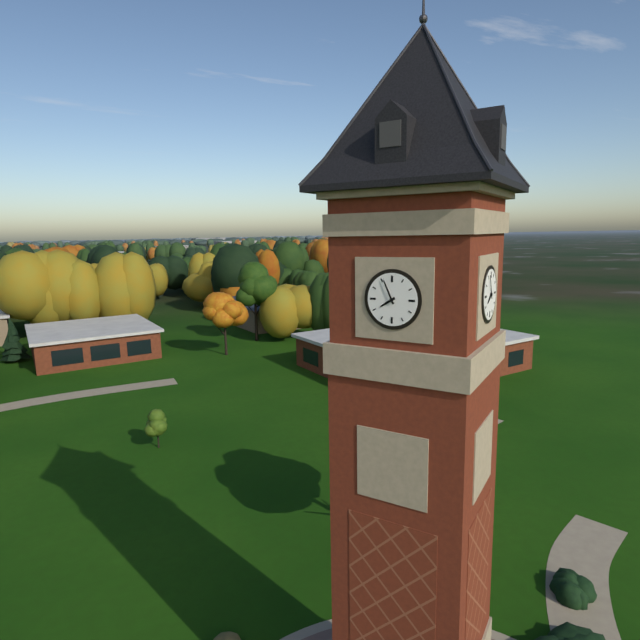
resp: 7,56
